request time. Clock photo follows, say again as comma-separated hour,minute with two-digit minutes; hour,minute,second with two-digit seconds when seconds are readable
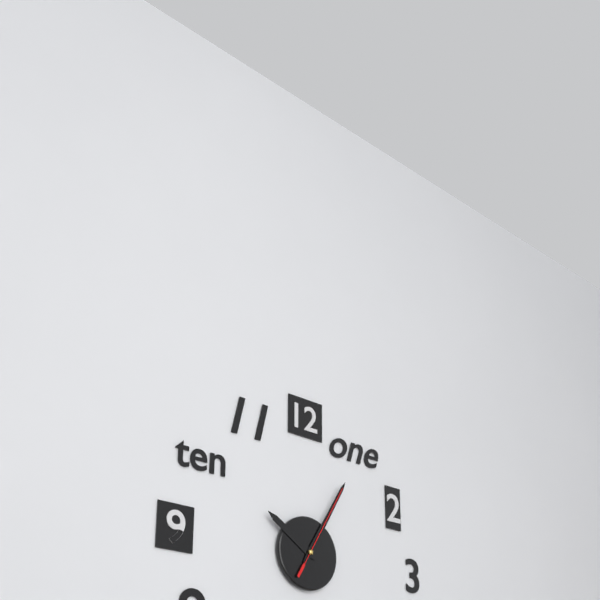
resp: 10,05,05
